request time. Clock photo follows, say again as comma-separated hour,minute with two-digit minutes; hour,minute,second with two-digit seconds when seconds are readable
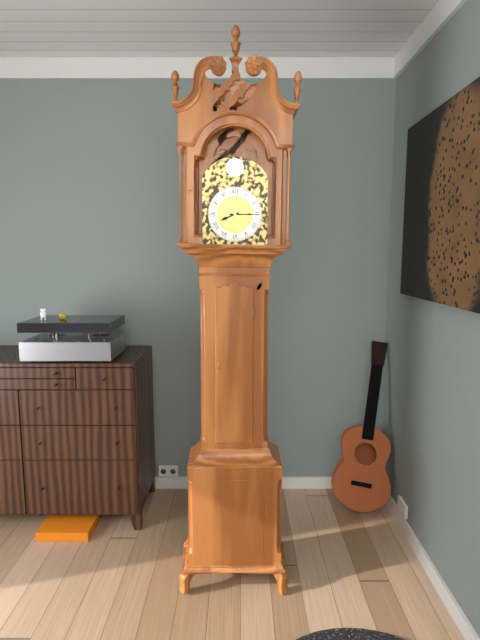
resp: 8,15
